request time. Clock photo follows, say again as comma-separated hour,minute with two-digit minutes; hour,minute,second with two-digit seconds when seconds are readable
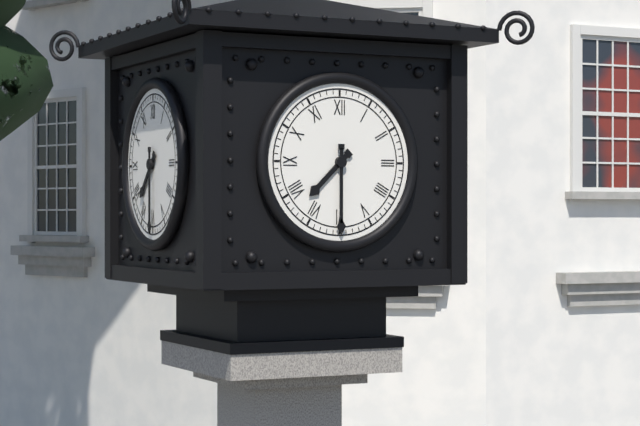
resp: 7,30
